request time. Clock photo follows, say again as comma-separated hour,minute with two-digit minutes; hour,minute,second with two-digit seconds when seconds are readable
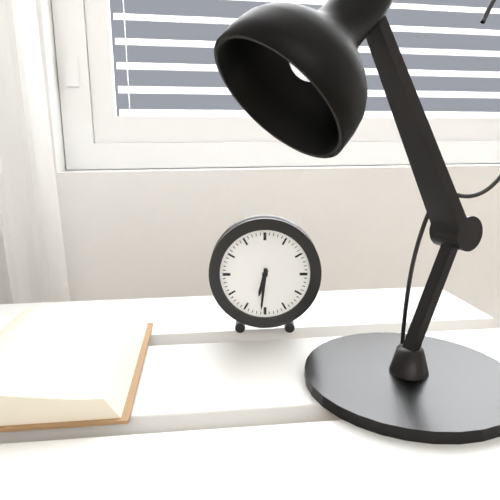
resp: 6,31
